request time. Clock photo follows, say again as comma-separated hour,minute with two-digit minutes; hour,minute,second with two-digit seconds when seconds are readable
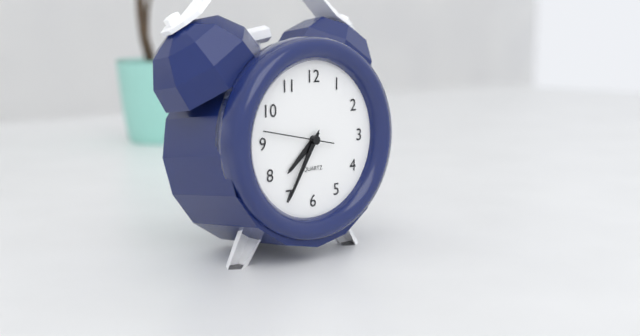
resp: 7,35,47
